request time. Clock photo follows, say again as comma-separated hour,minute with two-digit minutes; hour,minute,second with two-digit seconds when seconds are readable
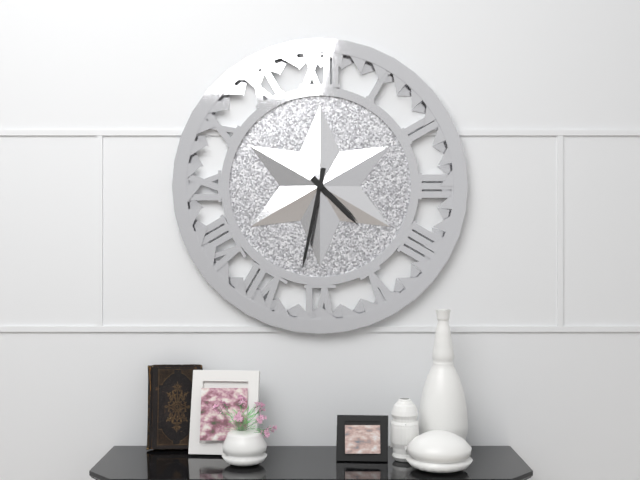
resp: 4,32
